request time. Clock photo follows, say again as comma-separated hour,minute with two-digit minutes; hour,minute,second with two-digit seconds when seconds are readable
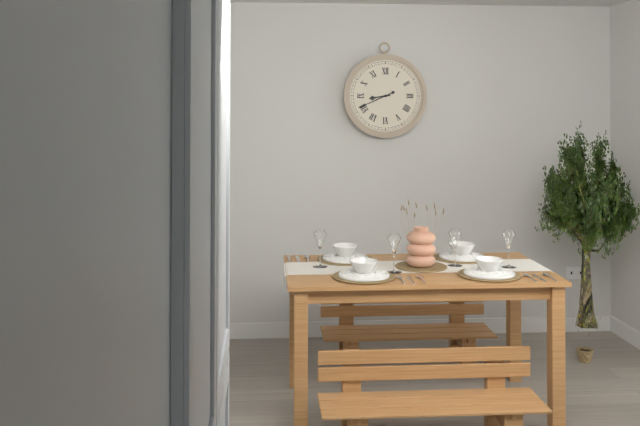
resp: 8,41
